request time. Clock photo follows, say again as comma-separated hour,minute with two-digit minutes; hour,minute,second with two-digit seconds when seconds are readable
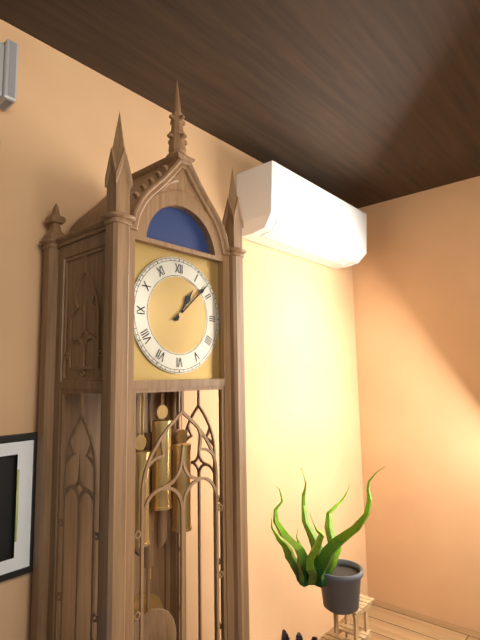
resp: 1,08
